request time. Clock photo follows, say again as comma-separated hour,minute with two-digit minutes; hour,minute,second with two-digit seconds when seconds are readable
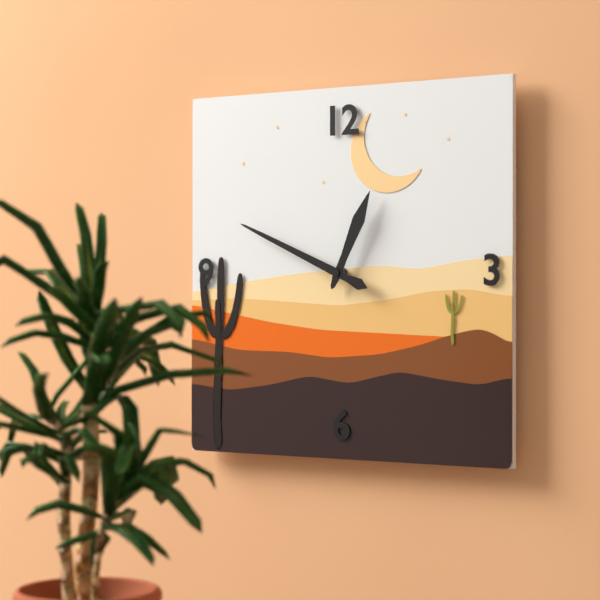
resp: 12,49
